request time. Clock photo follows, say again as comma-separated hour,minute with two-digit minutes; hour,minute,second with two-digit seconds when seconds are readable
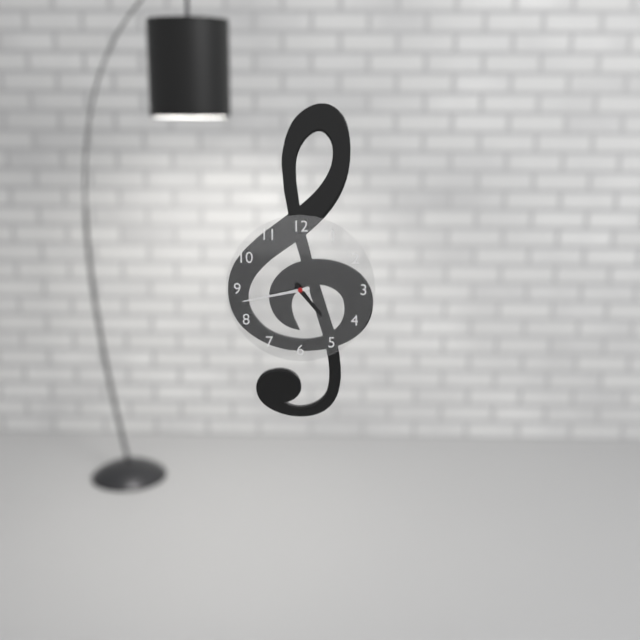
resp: 4,43
